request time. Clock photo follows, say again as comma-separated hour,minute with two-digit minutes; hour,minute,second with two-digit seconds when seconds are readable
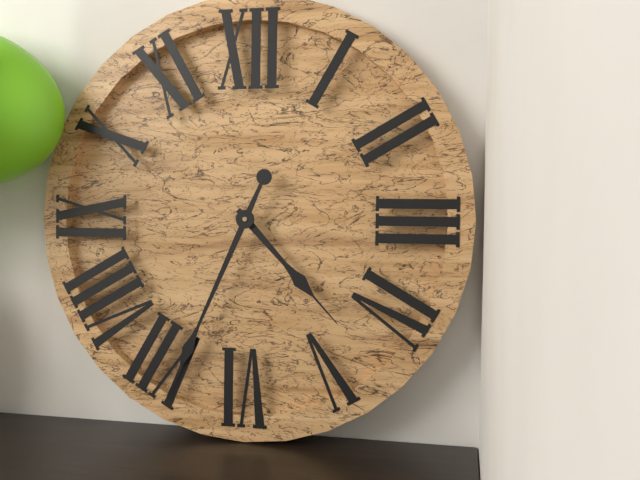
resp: 4,34
